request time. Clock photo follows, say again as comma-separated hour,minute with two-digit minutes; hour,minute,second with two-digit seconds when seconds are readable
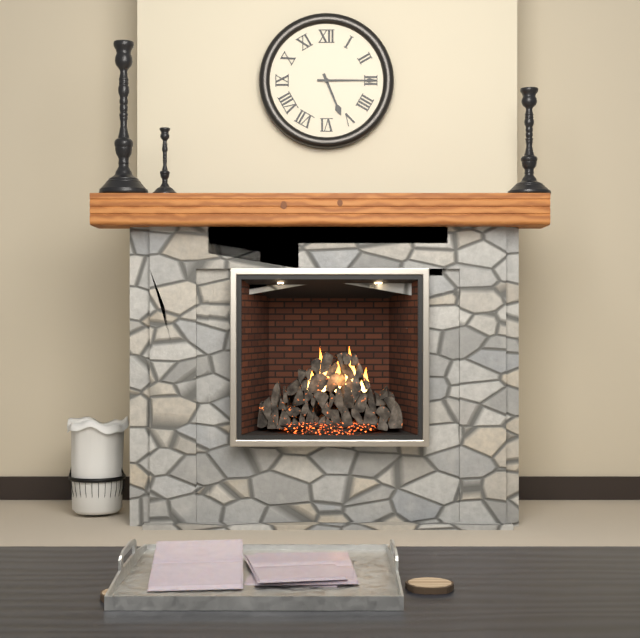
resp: 5,15
